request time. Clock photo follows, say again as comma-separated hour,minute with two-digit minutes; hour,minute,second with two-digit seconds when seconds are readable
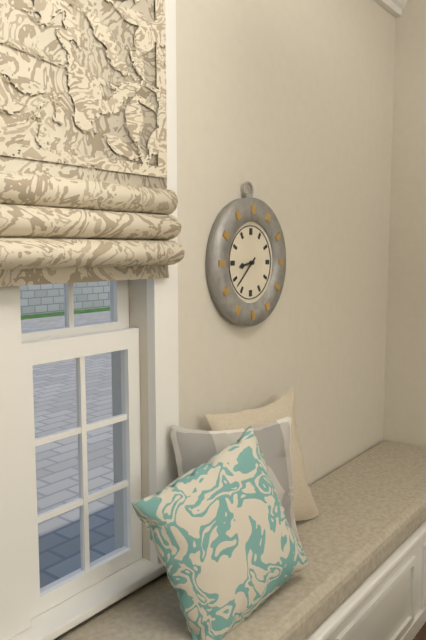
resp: 8,38
